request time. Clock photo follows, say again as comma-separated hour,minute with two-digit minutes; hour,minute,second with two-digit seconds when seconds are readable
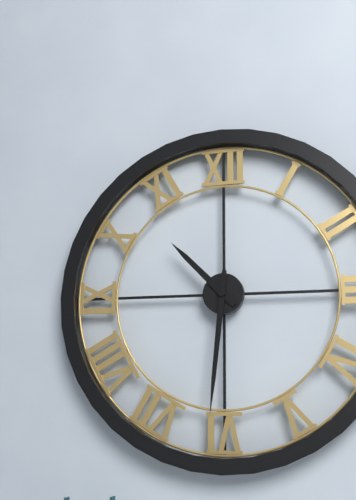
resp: 10,31
